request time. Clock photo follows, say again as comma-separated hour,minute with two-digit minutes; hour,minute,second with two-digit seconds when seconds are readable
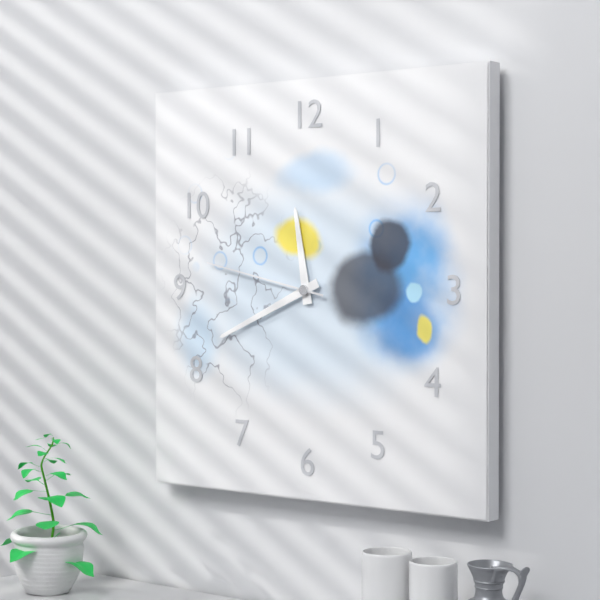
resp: 11,41,47
